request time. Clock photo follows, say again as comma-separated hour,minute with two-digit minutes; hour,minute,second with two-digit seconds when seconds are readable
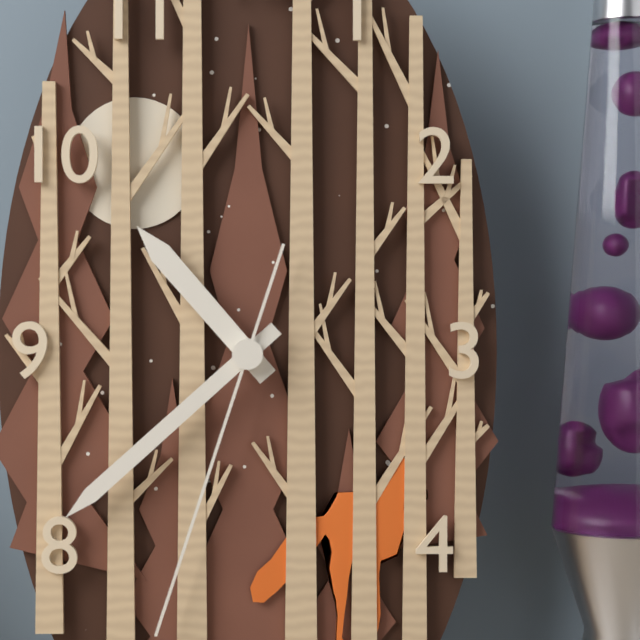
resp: 10,38,33
